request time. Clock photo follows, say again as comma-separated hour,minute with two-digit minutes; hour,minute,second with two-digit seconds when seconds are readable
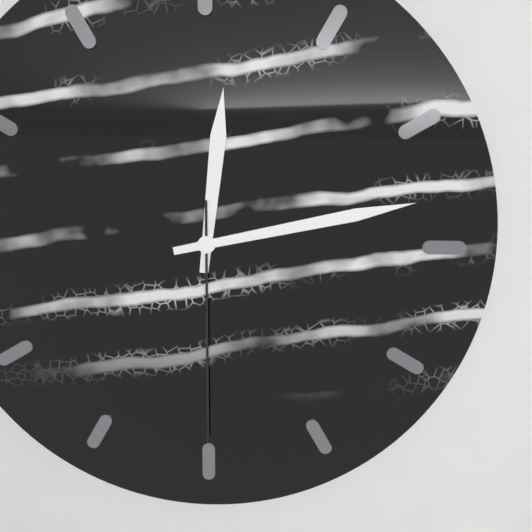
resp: 12,13,30
